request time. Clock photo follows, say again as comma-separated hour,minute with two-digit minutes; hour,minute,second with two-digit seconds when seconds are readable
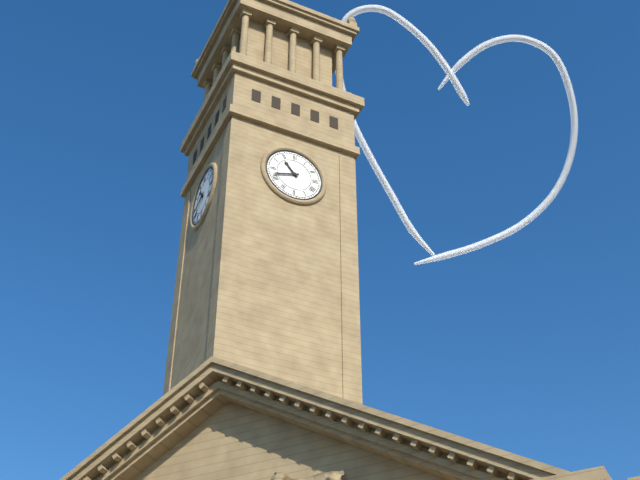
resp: 10,42
